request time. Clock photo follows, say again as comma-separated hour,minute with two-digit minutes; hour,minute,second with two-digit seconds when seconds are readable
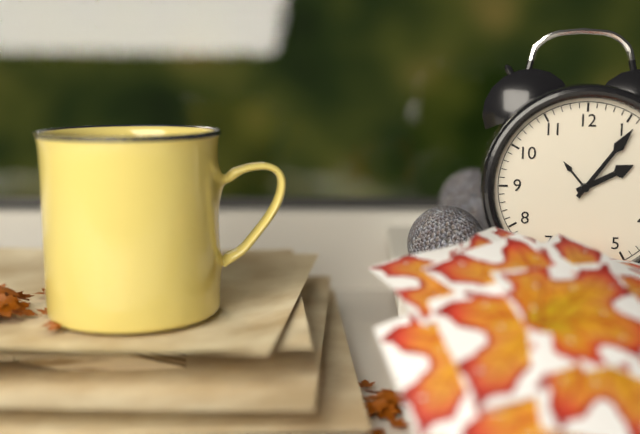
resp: 2,06
